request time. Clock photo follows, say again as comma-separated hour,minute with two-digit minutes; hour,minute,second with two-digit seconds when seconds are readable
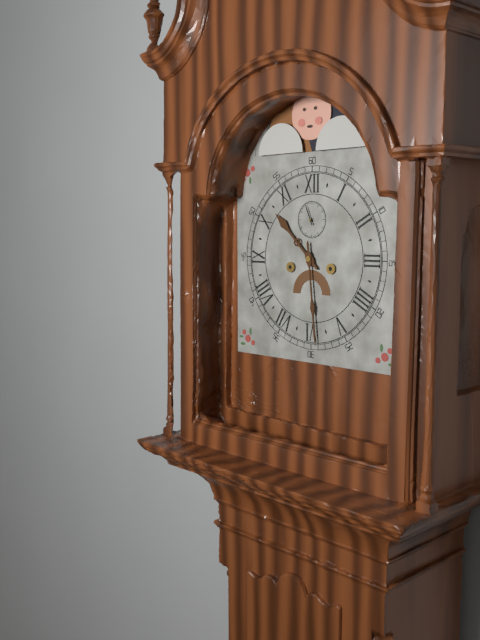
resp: 10,29
